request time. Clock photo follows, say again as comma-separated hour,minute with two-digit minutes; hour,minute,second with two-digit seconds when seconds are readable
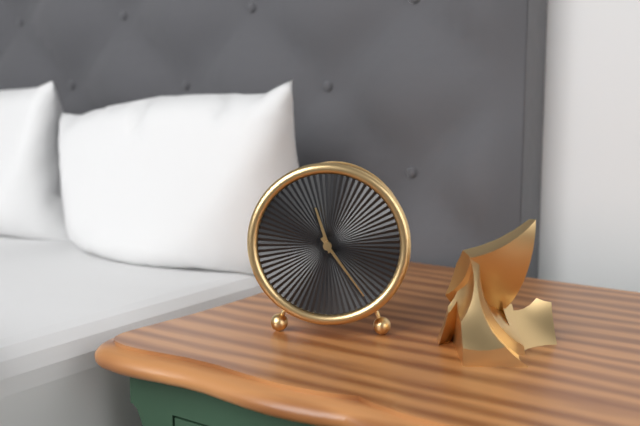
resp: 11,24
